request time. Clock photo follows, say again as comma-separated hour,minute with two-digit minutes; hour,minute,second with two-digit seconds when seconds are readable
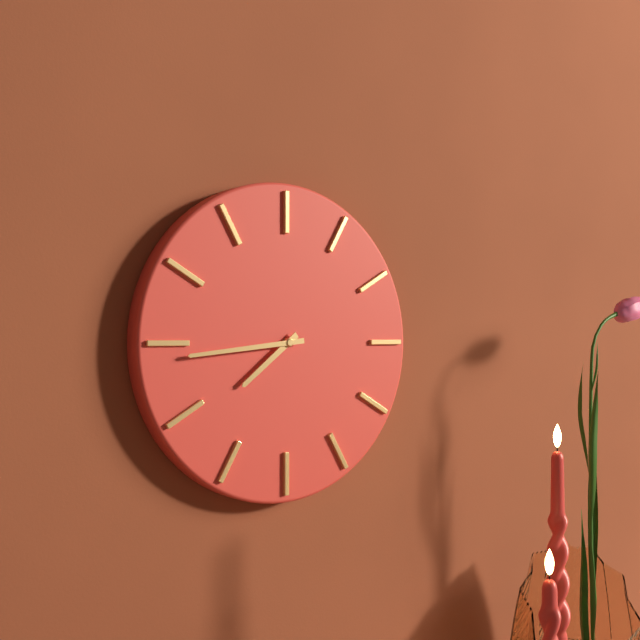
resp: 7,44
